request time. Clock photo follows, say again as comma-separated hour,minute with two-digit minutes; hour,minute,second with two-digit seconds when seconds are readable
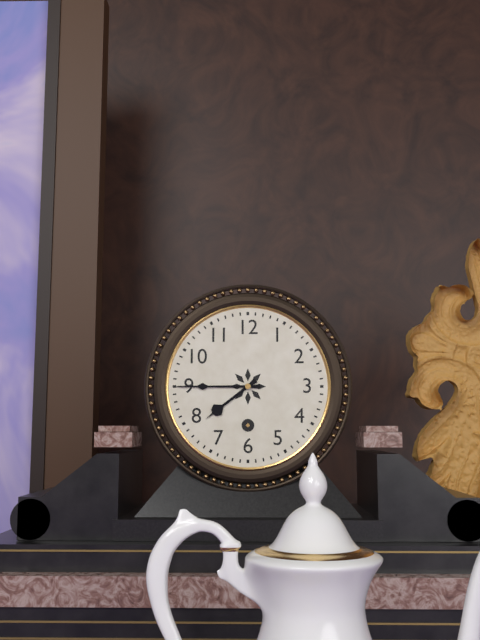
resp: 7,45
